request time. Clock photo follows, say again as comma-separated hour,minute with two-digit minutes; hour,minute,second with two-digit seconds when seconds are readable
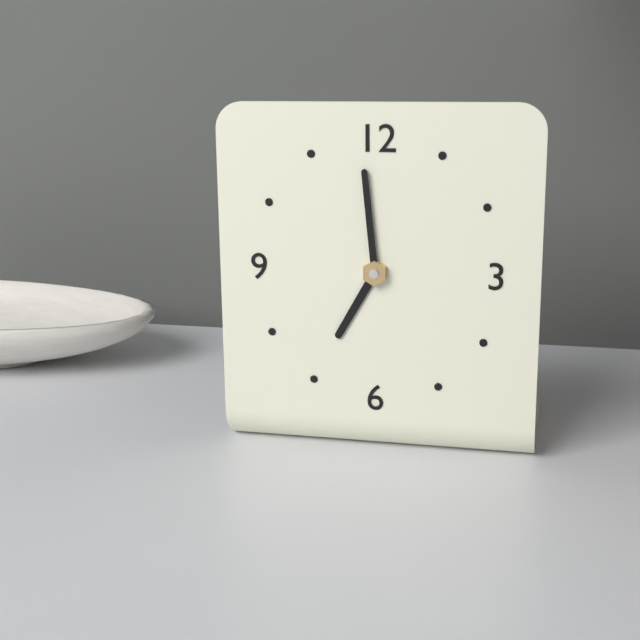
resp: 6,59
